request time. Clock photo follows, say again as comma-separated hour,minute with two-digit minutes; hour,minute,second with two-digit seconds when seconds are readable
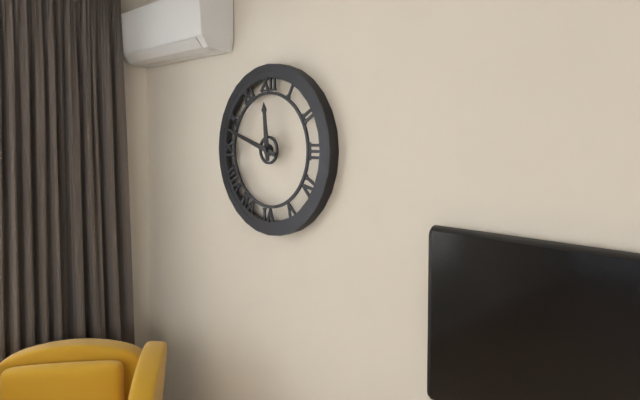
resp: 11,48
